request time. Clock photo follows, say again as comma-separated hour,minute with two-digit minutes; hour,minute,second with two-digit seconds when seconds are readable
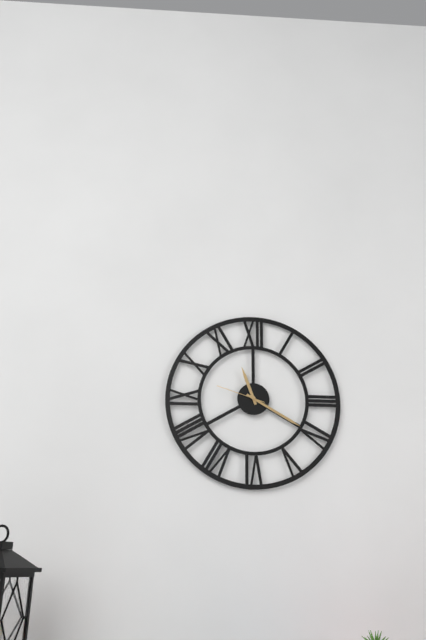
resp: 11,20
